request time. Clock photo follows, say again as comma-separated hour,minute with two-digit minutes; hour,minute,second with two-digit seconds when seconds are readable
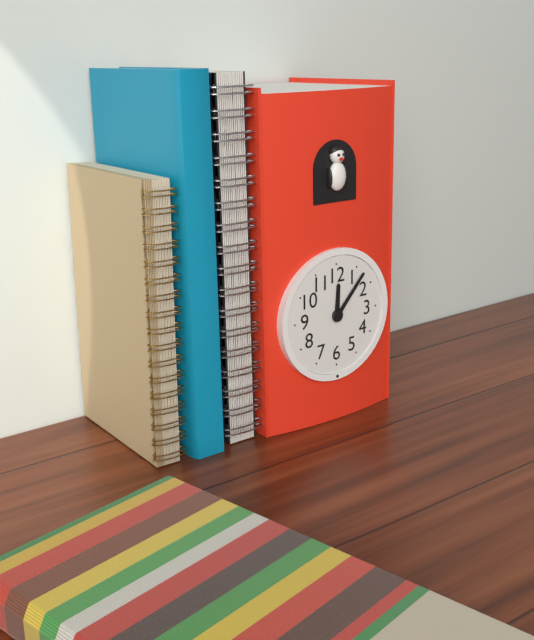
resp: 12,07
